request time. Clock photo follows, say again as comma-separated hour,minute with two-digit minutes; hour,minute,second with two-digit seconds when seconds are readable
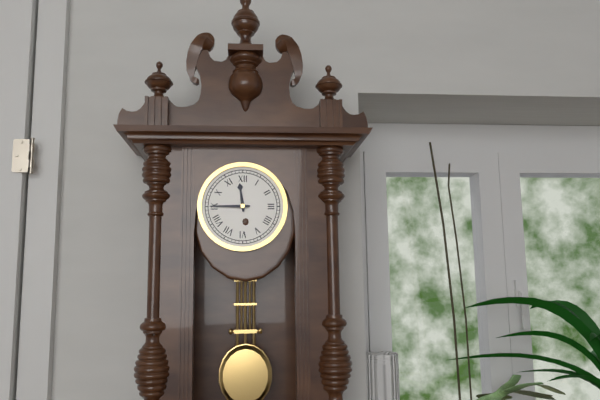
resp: 11,45
